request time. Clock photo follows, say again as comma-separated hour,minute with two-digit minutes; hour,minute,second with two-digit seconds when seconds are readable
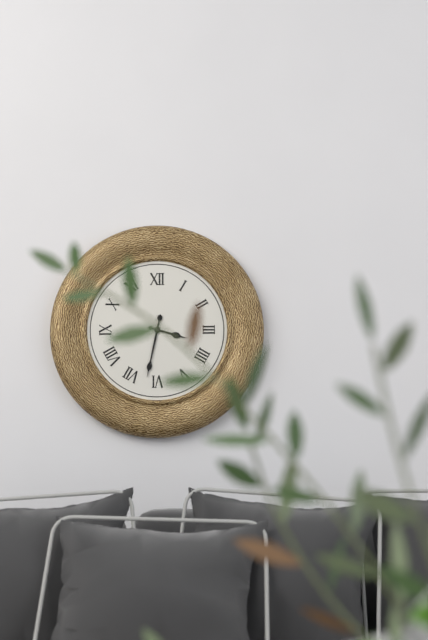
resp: 3,32
